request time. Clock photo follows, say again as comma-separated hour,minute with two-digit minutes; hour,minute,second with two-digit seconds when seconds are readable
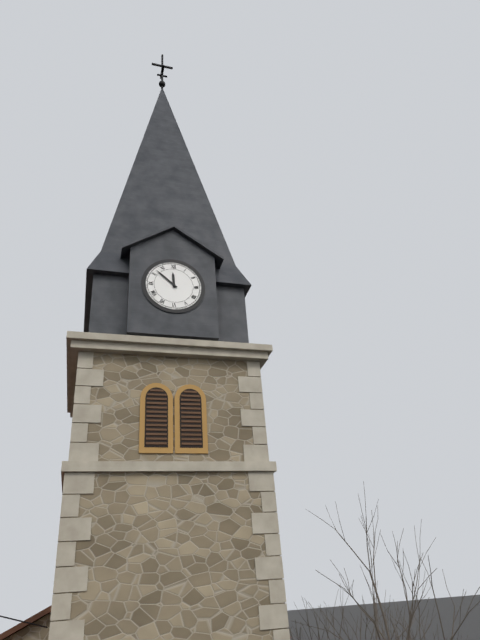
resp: 11,52
